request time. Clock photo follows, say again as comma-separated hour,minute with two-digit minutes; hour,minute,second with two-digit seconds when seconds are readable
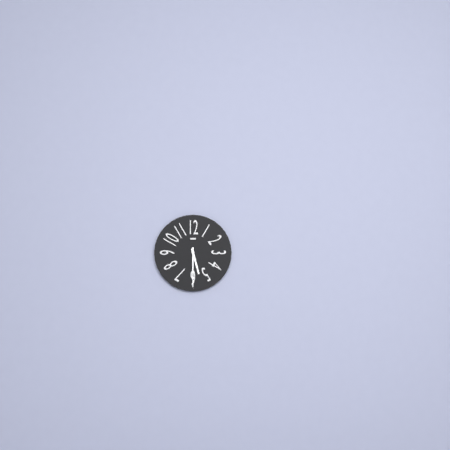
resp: 5,30
